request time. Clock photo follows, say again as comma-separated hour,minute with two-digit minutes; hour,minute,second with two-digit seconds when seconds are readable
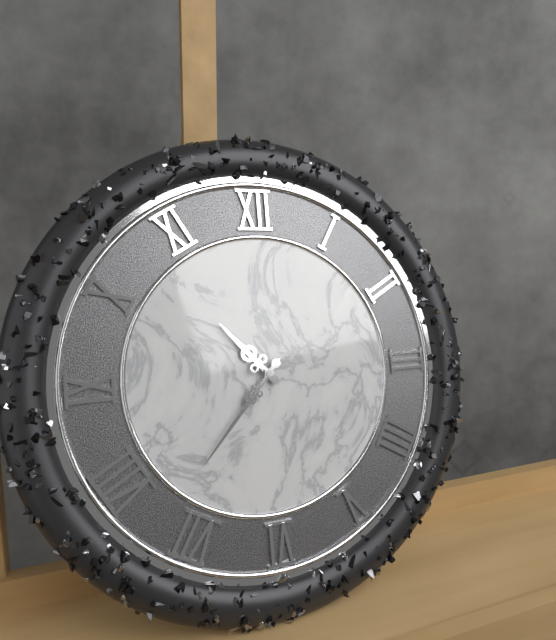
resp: 10,37
